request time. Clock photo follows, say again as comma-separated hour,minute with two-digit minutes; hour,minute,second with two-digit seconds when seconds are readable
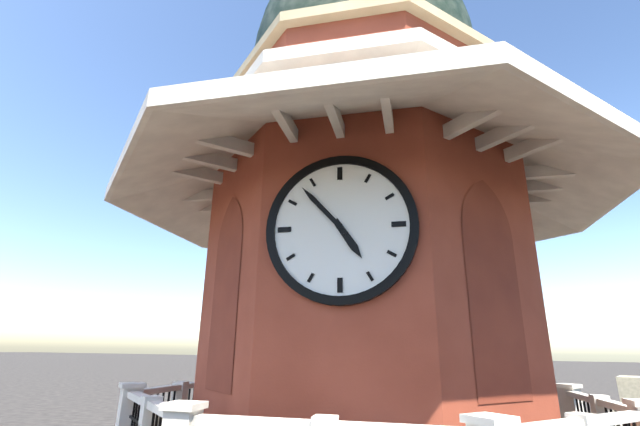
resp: 4,53
